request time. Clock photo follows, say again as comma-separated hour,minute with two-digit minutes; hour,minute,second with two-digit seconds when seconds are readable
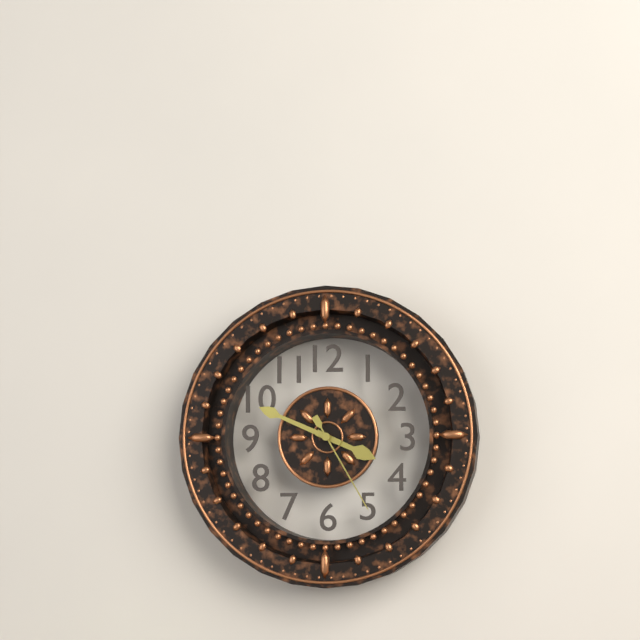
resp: 3,49,25
